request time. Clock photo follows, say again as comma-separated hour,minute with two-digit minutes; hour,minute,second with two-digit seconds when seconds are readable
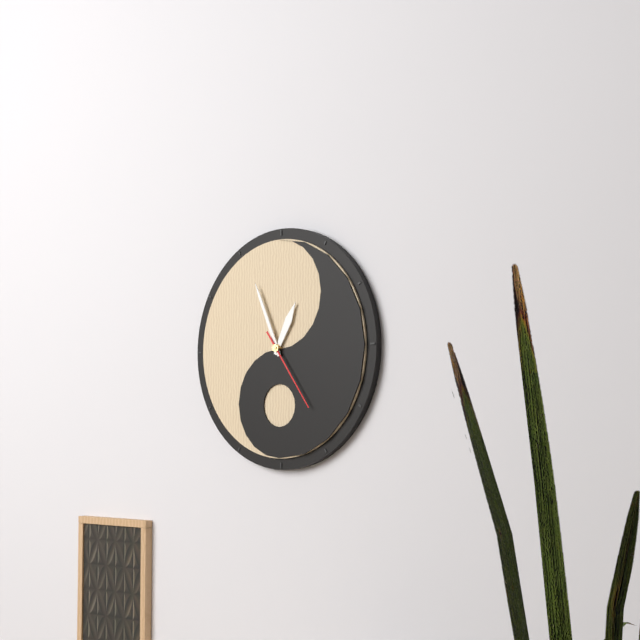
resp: 12,56,24
